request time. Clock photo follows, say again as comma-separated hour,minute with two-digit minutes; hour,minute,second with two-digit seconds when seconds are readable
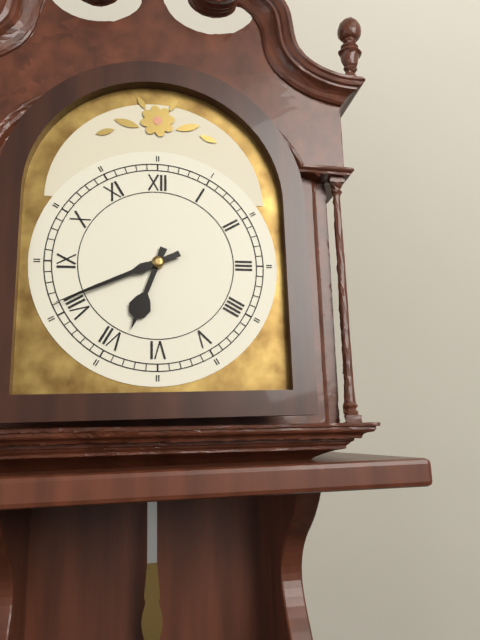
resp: 6,41
